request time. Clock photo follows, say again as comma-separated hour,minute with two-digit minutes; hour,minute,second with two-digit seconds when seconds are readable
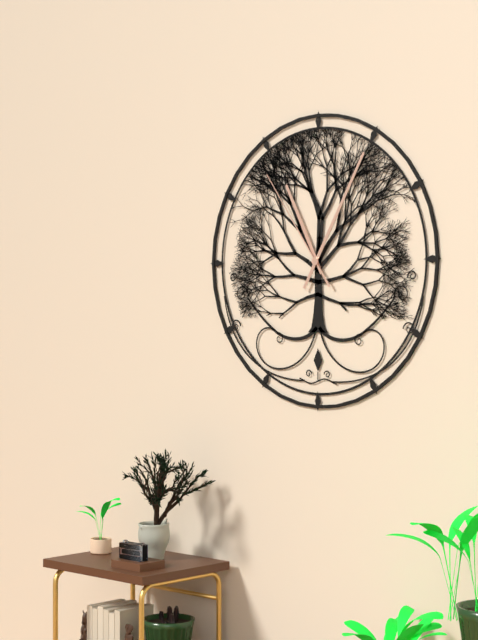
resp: 11,05,54
